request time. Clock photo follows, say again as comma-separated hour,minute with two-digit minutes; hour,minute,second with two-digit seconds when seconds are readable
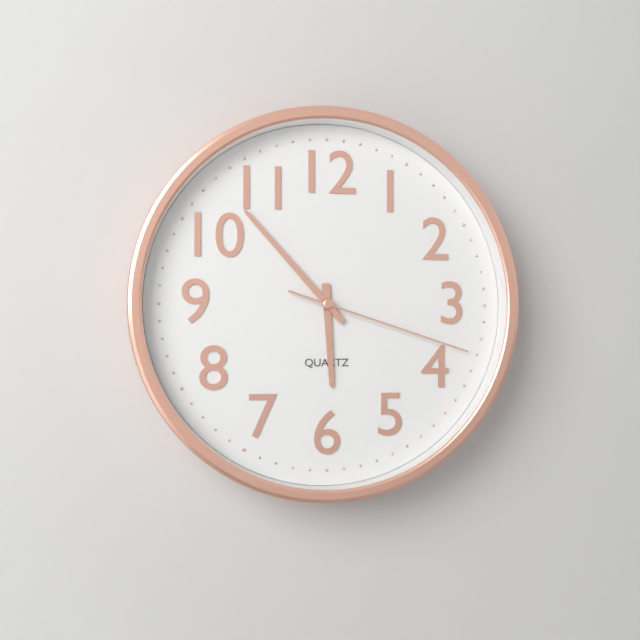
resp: 5,53,18
